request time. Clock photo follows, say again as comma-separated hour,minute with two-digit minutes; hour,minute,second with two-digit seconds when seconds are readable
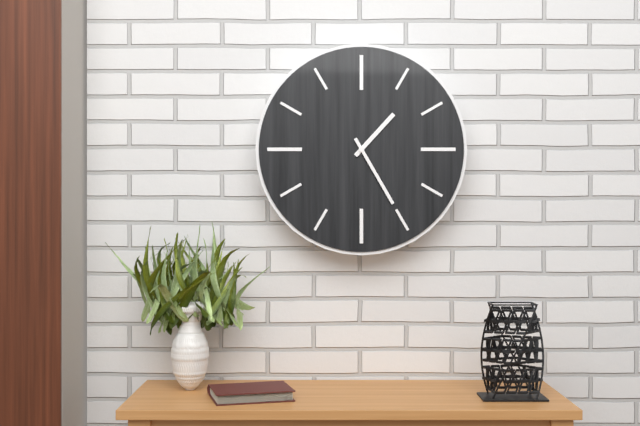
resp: 1,25
